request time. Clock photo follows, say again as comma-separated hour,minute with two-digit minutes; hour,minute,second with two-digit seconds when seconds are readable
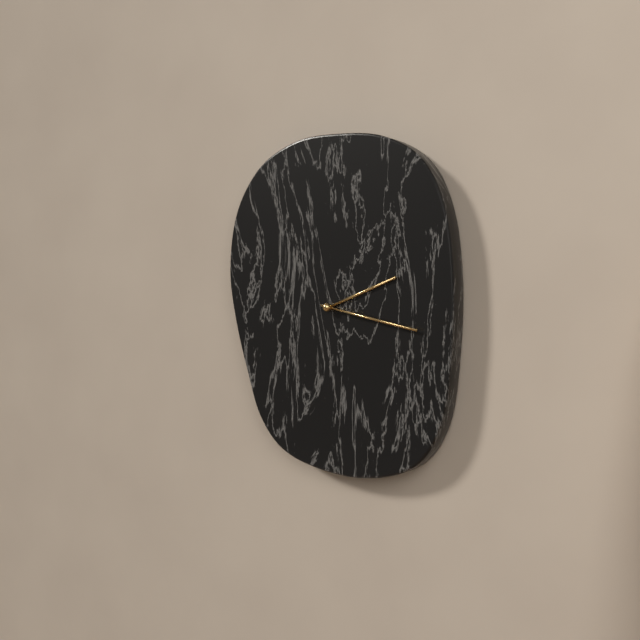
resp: 2,17
